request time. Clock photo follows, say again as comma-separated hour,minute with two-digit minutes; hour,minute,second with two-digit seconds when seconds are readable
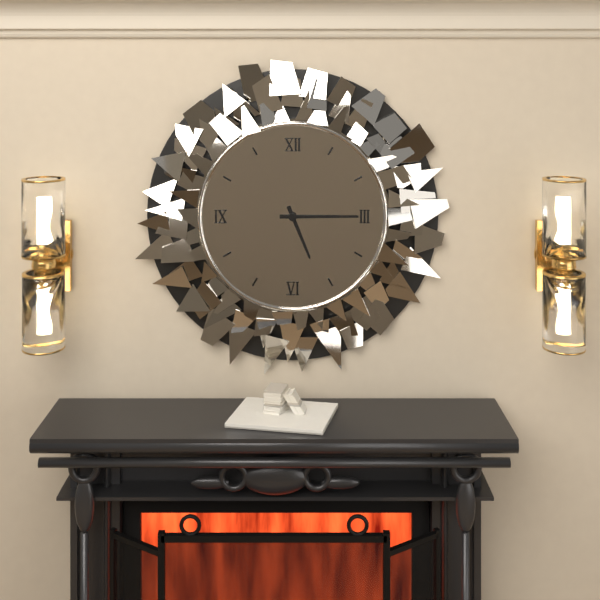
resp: 5,15
